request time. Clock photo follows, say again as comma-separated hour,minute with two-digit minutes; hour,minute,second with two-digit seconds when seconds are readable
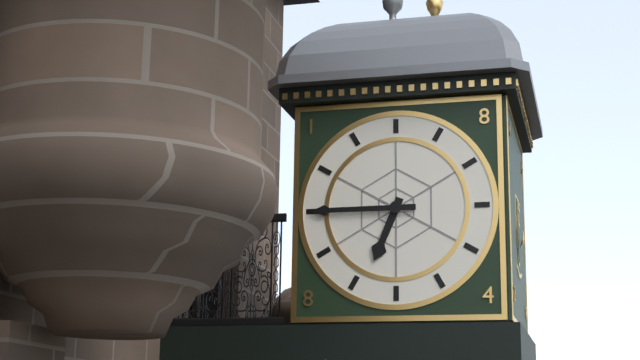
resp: 6,45
